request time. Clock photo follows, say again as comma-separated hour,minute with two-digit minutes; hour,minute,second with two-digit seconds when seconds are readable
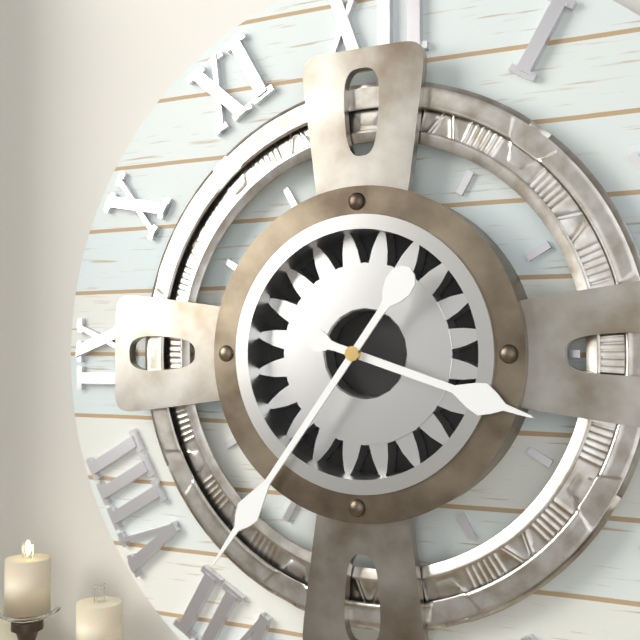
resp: 3,36
